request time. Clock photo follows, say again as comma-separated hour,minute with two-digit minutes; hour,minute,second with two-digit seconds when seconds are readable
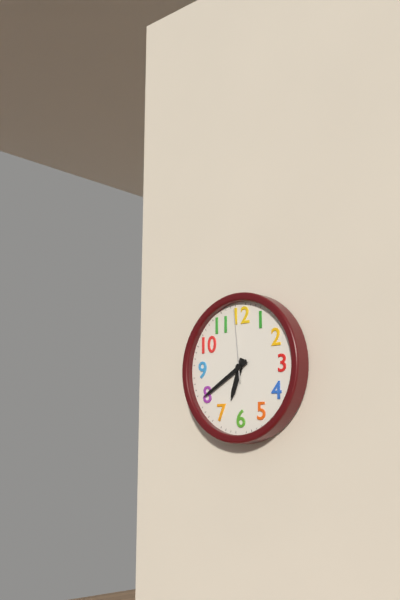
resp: 6,40,59
